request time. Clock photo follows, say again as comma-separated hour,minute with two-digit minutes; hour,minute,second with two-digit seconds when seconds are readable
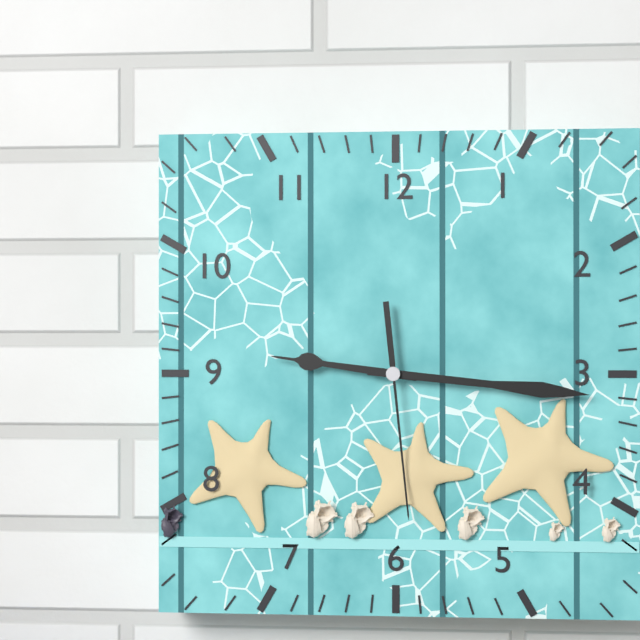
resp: 9,16,29
